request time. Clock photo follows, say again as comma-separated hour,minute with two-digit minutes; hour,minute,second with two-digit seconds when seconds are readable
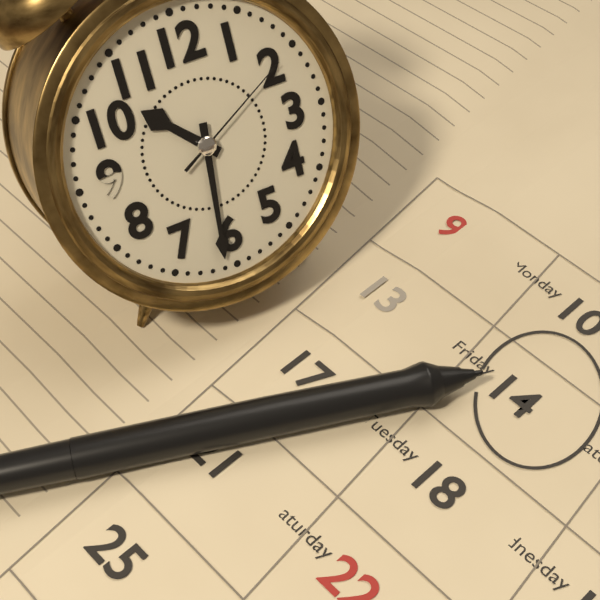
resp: 10,31,10
